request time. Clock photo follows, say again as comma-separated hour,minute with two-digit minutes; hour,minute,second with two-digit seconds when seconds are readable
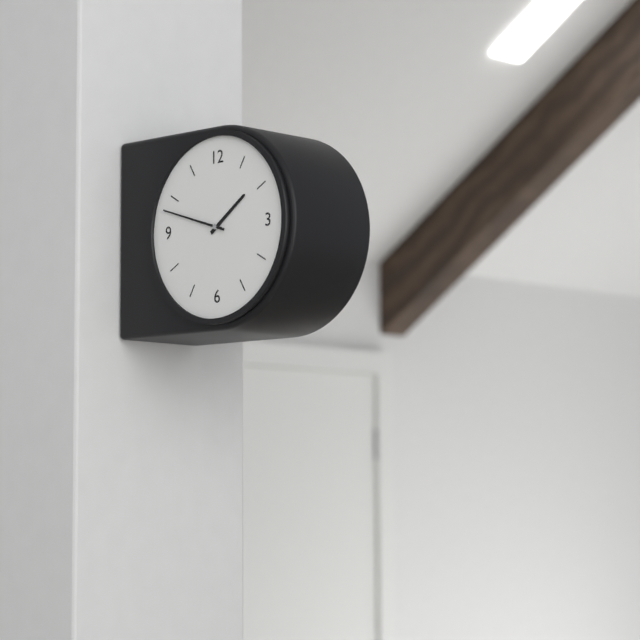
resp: 1,48
